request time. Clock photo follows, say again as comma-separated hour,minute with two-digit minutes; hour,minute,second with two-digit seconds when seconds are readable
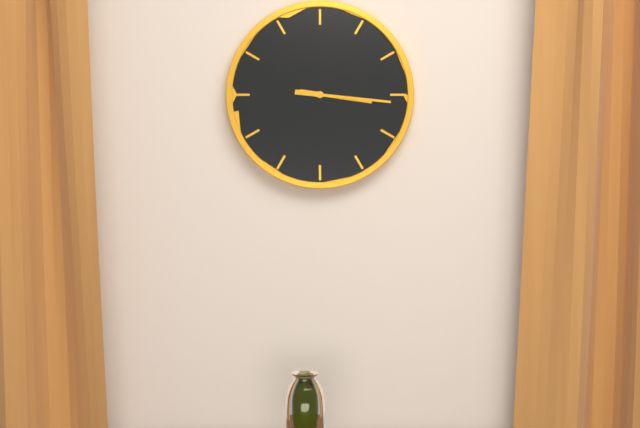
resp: 3,16
